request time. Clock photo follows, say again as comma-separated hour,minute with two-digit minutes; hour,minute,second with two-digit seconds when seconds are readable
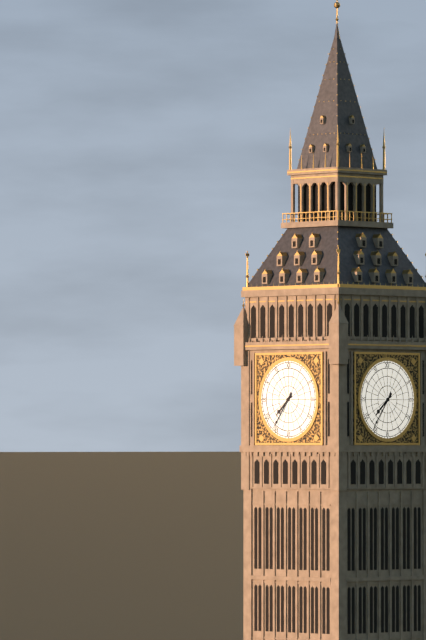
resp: 7,36
